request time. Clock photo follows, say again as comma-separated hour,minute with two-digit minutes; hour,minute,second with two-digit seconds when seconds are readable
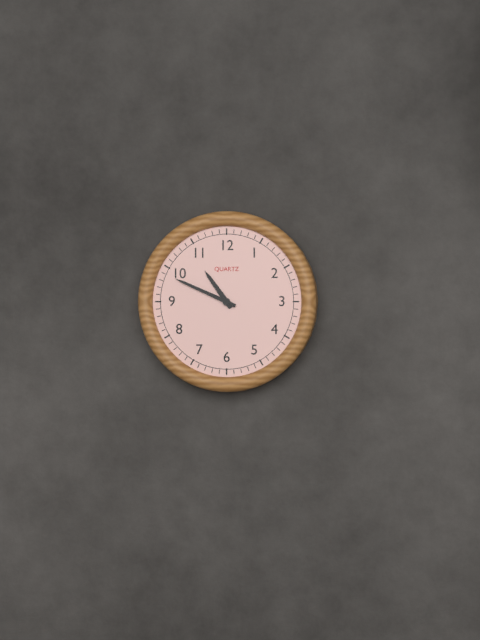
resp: 10,49
